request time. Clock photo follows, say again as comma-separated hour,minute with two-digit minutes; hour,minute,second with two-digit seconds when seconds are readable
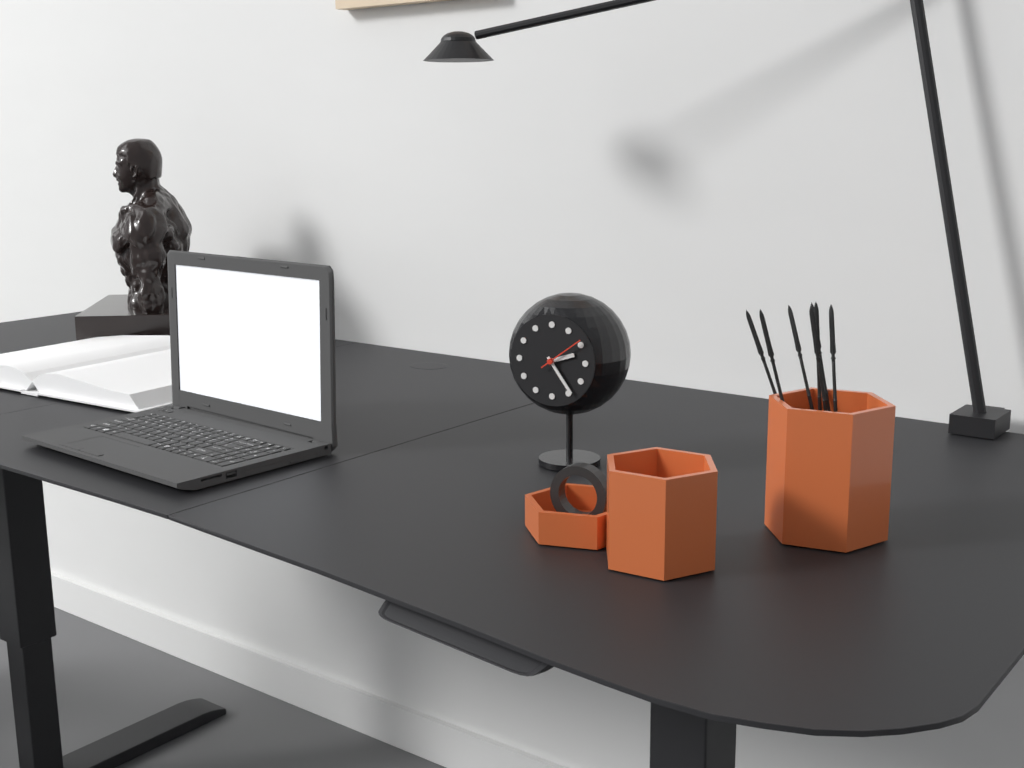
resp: 2,24
